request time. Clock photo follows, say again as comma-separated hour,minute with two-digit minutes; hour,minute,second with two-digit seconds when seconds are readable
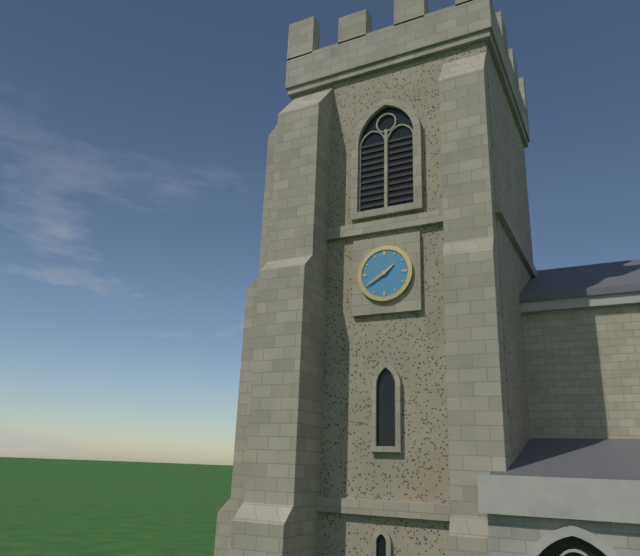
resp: 1,40
